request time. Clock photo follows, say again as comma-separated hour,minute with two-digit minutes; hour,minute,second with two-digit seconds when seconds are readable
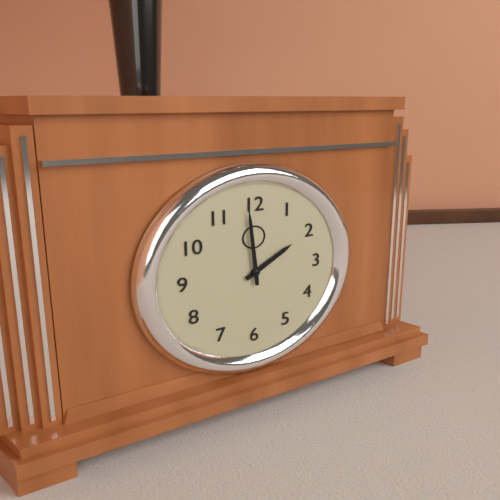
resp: 1,59
